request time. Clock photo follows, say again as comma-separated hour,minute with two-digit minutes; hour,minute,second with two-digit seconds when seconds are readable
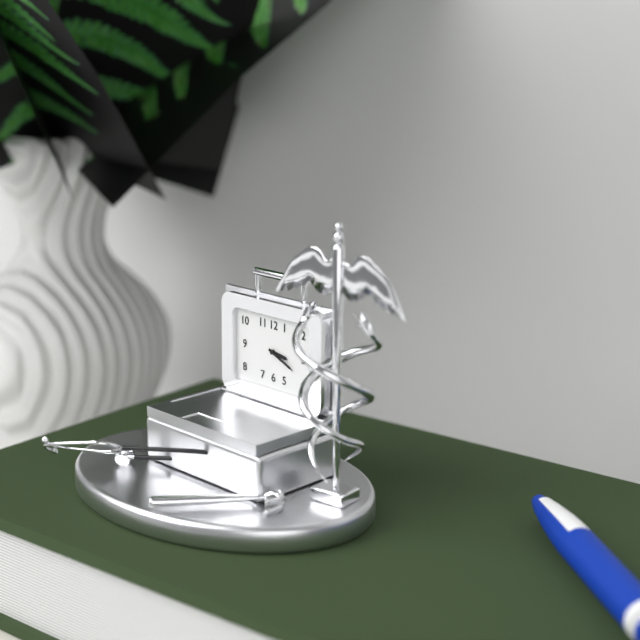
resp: 3,19
